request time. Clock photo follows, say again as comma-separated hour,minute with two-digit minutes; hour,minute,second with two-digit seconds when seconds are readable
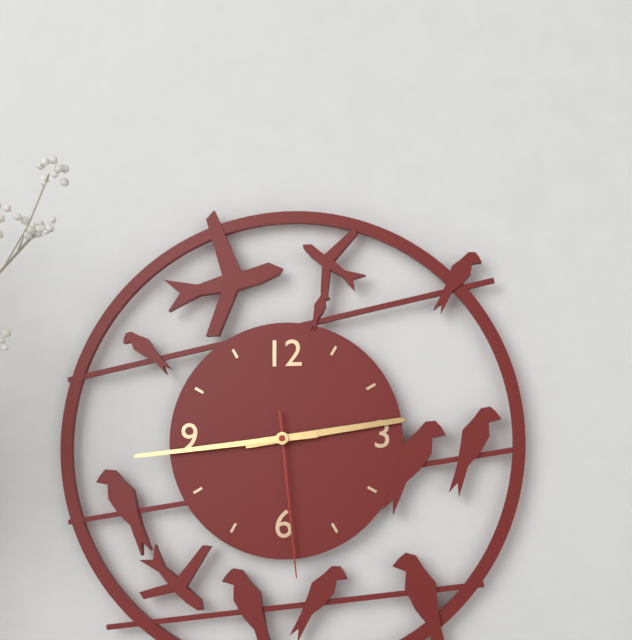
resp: 2,44,29
